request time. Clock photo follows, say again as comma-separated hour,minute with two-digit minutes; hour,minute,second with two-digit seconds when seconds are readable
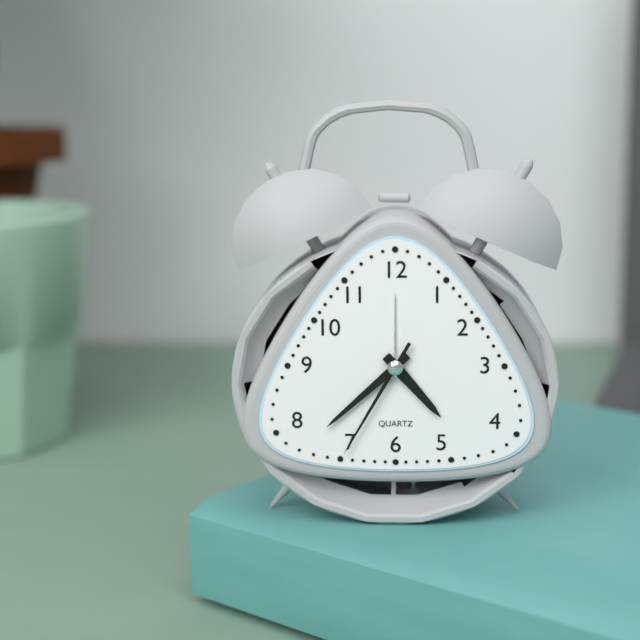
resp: 4,38,35
